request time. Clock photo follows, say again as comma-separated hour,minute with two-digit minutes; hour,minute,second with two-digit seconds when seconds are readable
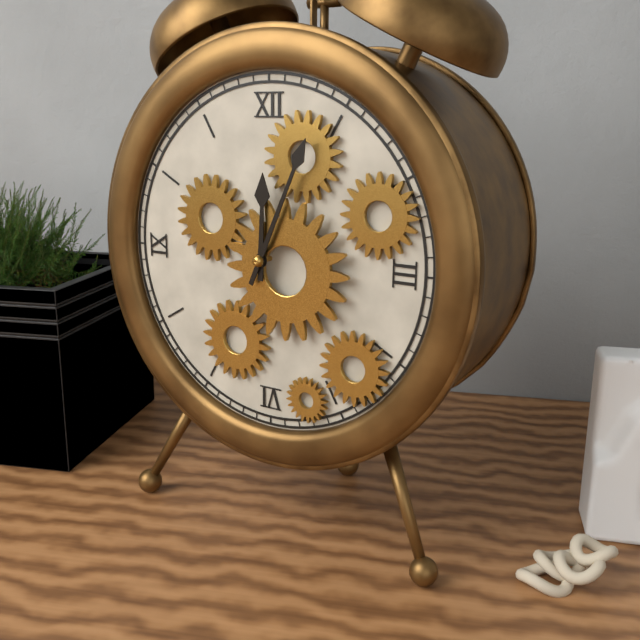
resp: 12,04
